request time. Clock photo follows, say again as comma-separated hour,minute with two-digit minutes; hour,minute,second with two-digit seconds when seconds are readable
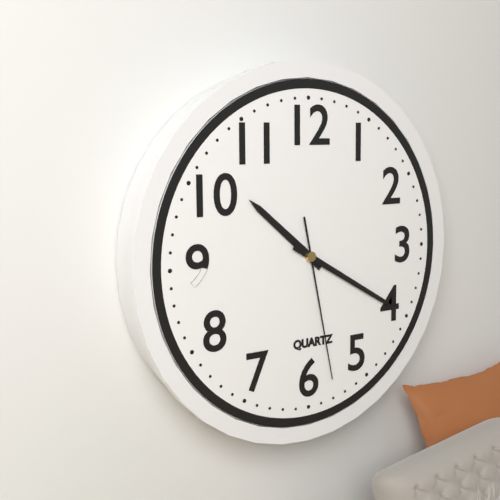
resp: 10,20,28
